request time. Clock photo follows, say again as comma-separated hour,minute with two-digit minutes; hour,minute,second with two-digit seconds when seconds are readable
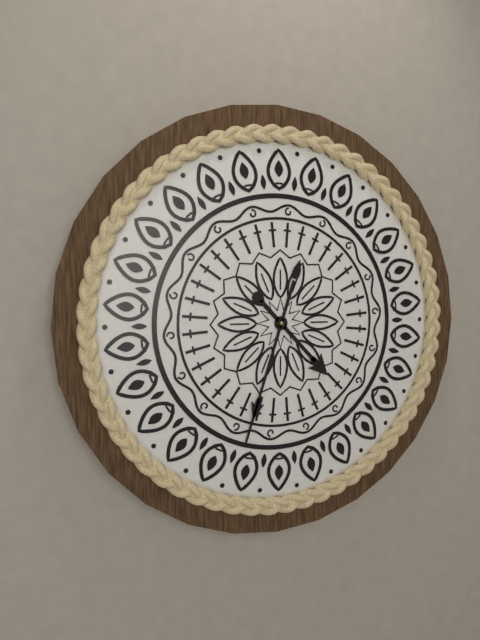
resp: 4,33
